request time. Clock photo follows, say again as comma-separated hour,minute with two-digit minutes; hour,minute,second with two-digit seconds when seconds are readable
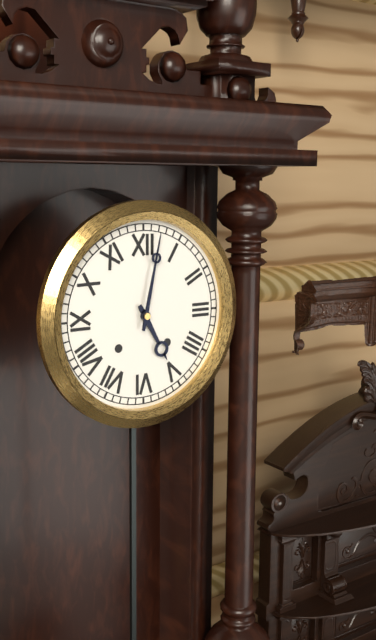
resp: 5,02
